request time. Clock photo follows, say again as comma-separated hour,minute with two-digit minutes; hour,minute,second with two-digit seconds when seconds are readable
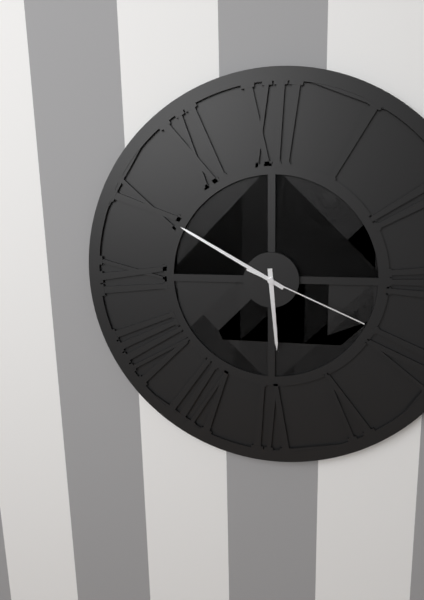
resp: 5,50,19
